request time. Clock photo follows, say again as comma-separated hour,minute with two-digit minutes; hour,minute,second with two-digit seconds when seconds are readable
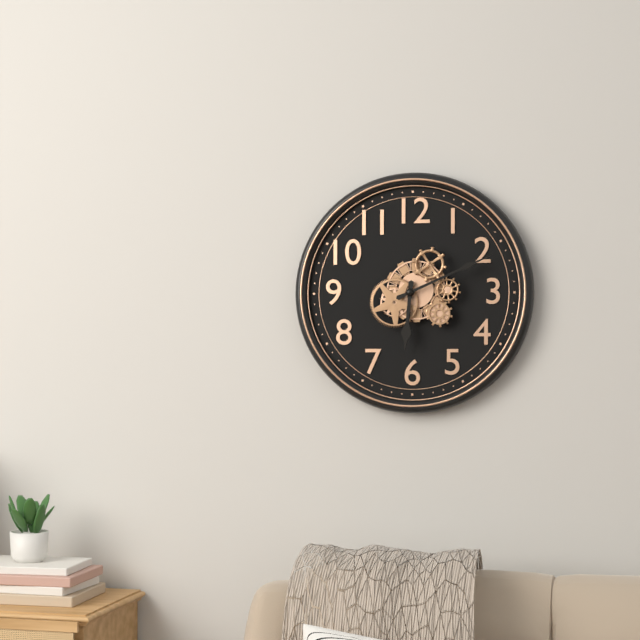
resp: 6,11
